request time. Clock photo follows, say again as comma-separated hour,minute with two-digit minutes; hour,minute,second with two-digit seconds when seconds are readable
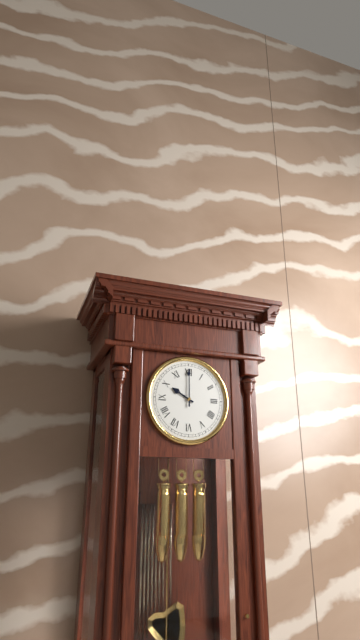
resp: 10,00
